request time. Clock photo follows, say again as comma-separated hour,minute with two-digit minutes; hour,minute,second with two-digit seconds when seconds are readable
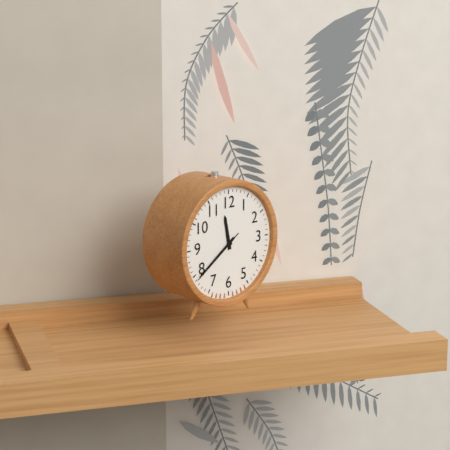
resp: 11,39,39
